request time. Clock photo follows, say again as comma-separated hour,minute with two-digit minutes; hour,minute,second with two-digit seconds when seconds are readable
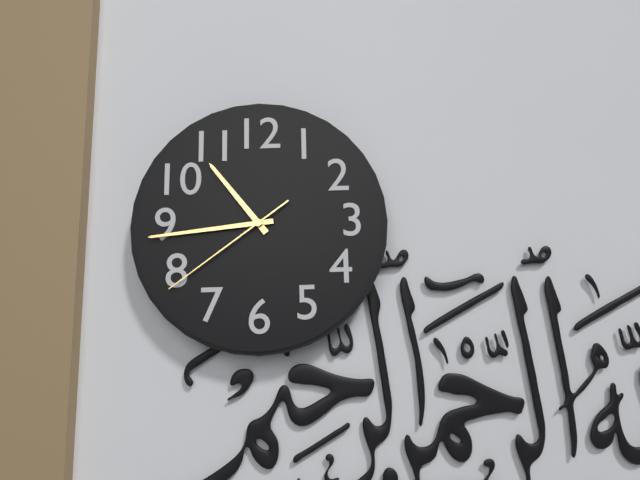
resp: 10,44,39
